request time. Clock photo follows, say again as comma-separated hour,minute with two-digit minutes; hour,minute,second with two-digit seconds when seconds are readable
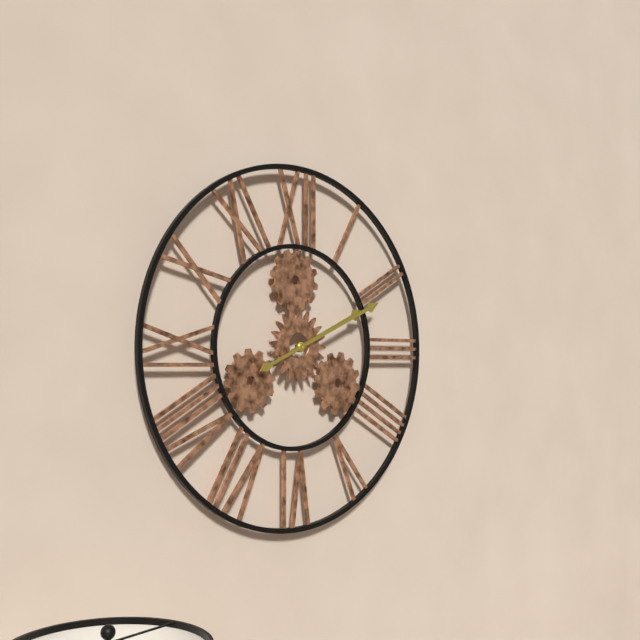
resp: 2,11
